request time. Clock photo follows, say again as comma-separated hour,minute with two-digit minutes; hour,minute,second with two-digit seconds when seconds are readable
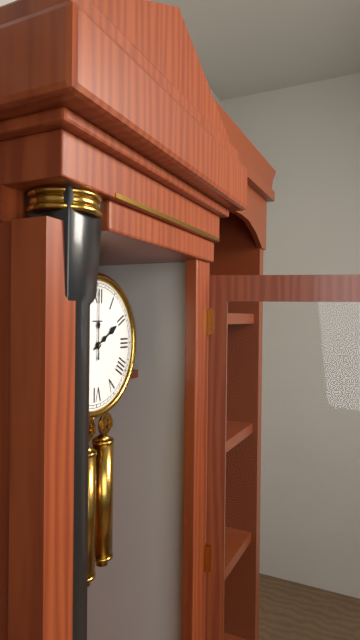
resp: 2,00
